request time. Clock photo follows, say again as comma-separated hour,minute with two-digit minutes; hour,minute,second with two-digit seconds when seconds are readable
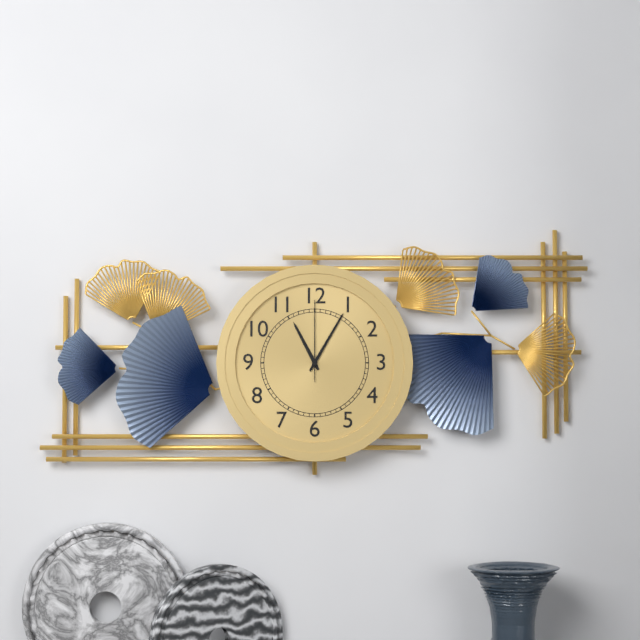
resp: 11,05,00
